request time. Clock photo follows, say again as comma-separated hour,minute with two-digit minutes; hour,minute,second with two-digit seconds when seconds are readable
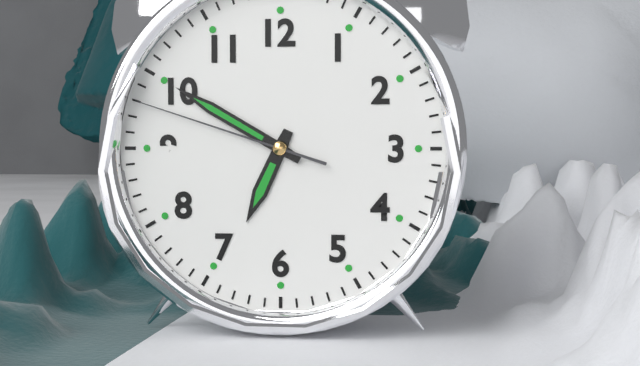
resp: 6,50,48
